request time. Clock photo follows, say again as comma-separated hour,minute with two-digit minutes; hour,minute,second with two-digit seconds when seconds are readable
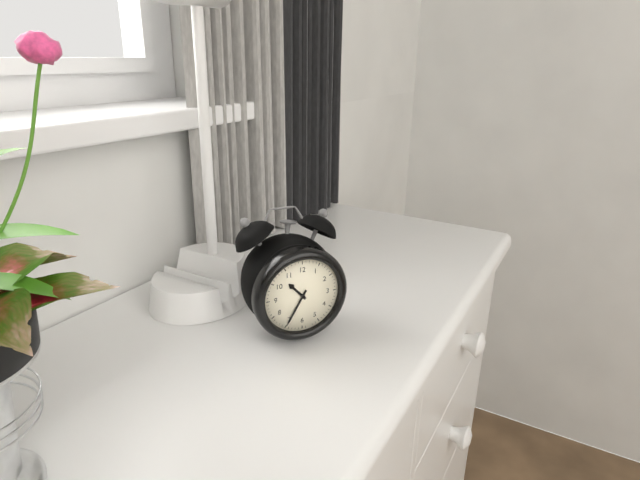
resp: 10,35
